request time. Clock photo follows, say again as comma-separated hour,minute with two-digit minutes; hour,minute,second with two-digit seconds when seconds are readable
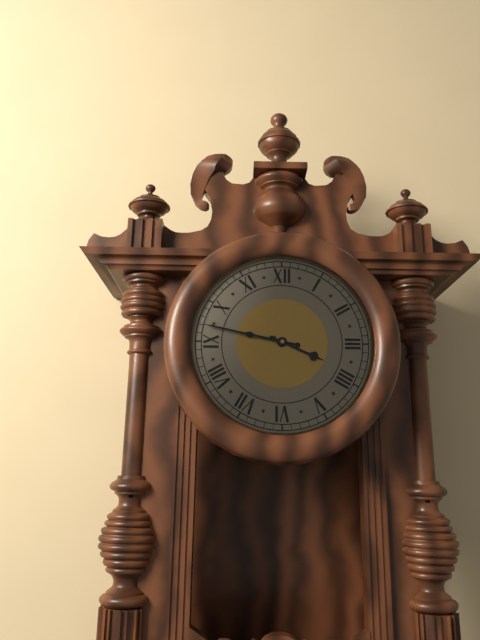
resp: 3,47
